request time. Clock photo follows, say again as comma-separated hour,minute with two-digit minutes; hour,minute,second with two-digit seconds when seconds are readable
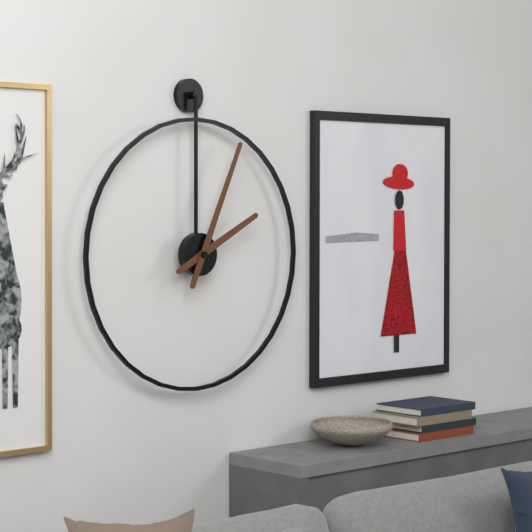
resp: 2,04
